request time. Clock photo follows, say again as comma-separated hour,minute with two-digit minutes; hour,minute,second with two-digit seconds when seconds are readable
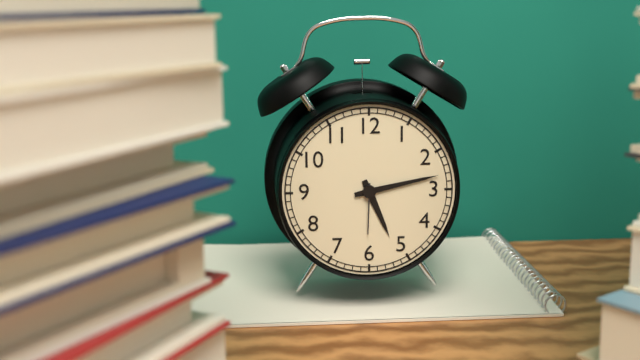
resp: 5,13
